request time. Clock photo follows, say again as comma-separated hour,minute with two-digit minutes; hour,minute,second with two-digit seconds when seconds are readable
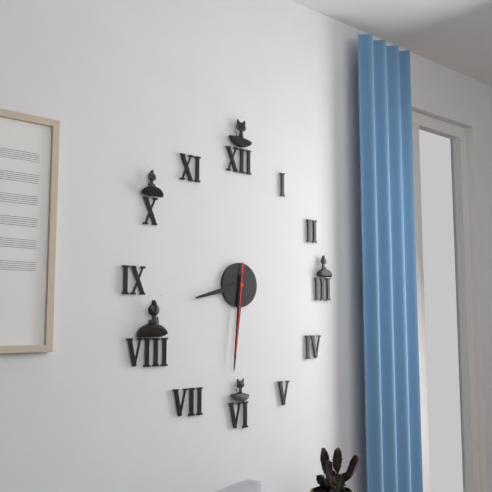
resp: 8,31,31
